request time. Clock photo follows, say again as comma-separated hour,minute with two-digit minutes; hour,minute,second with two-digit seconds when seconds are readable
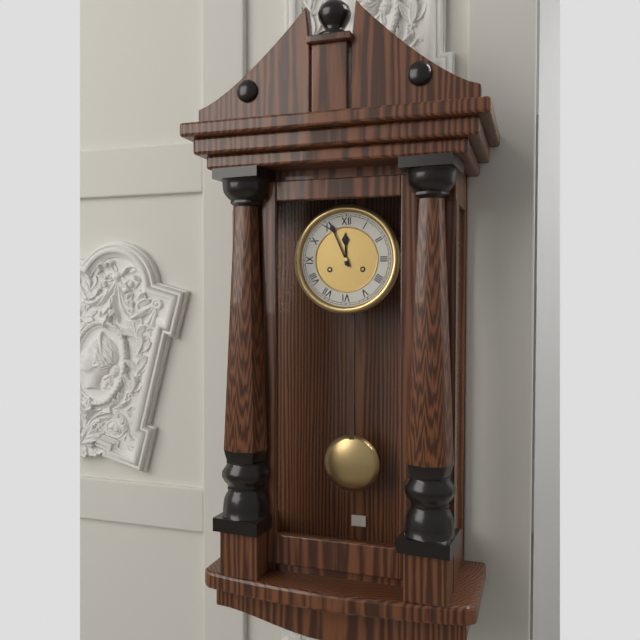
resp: 11,56
